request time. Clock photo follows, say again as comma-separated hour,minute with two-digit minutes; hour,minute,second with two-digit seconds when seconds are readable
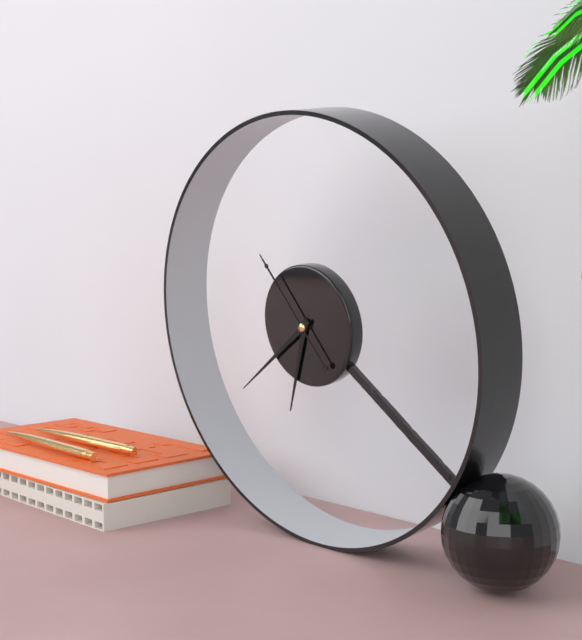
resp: 6,39,54
